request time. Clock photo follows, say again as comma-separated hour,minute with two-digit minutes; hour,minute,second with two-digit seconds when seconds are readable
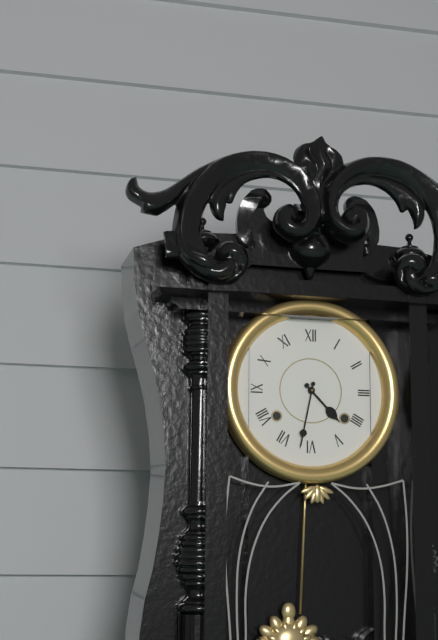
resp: 4,32
